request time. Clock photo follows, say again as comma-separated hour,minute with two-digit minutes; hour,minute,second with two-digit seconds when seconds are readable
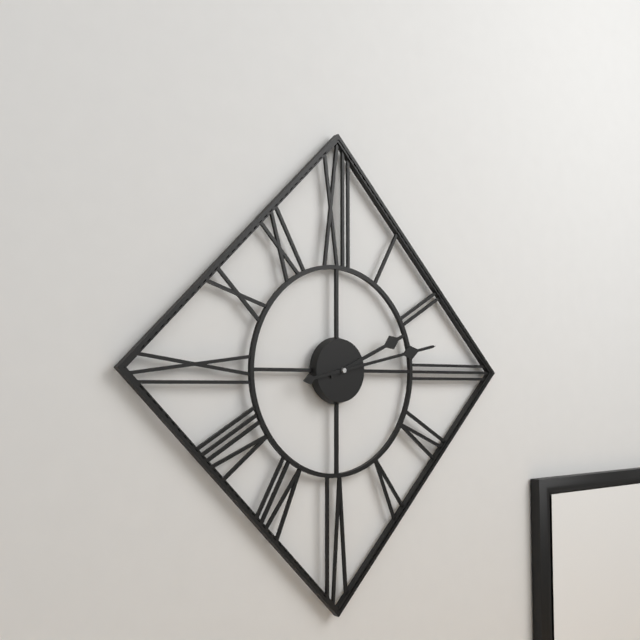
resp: 2,13
